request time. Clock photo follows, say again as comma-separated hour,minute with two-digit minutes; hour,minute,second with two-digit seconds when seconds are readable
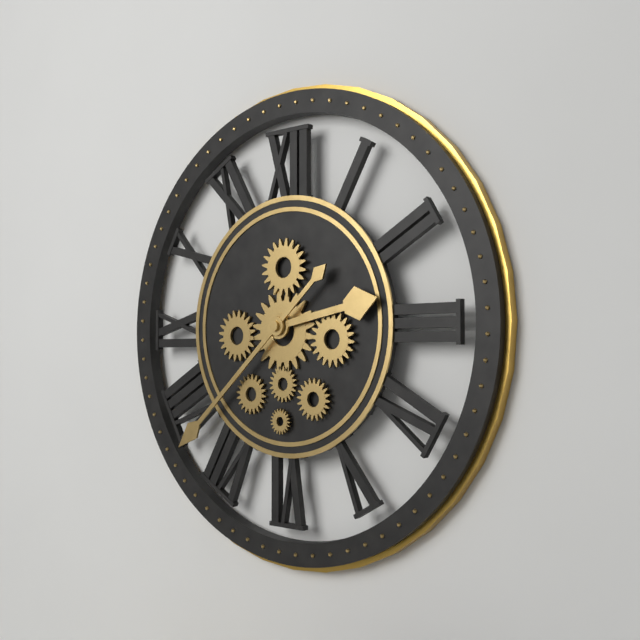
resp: 2,38
